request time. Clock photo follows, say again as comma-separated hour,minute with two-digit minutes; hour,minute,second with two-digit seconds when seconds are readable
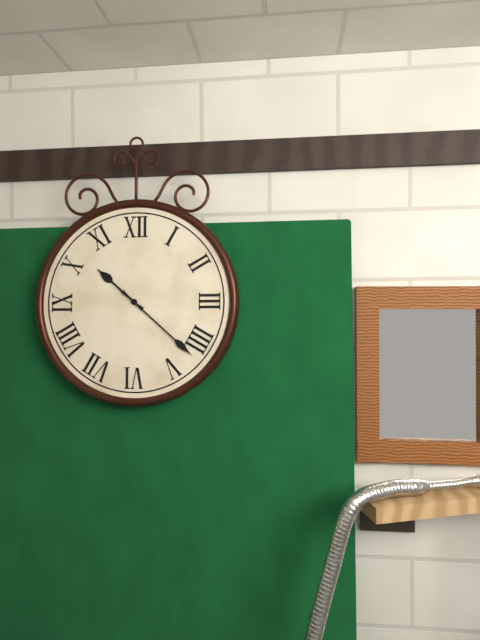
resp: 10,22
